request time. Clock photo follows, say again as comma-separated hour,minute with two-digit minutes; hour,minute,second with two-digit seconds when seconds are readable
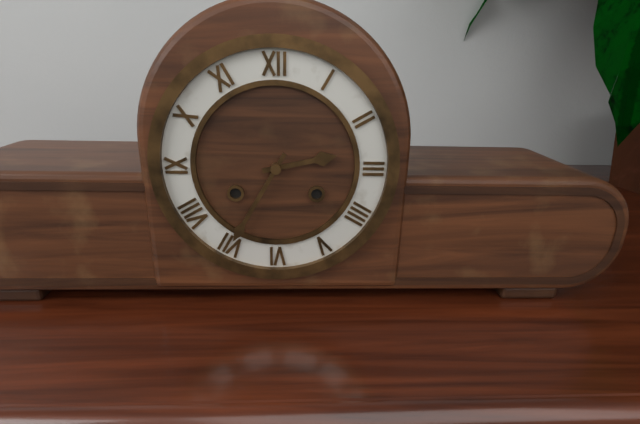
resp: 2,35
